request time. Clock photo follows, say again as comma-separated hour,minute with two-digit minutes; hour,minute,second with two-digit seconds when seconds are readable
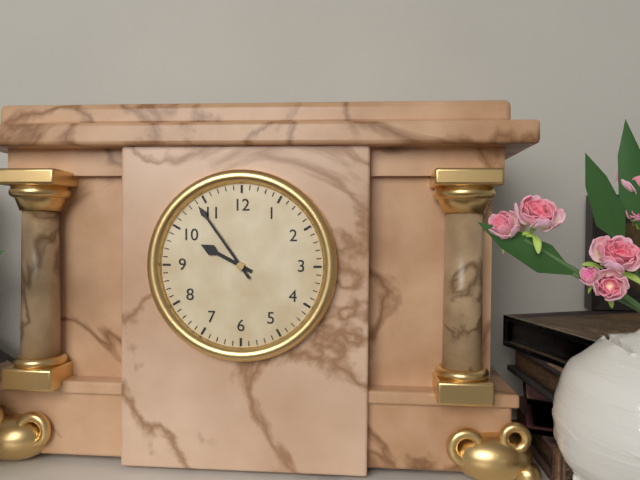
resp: 9,54
